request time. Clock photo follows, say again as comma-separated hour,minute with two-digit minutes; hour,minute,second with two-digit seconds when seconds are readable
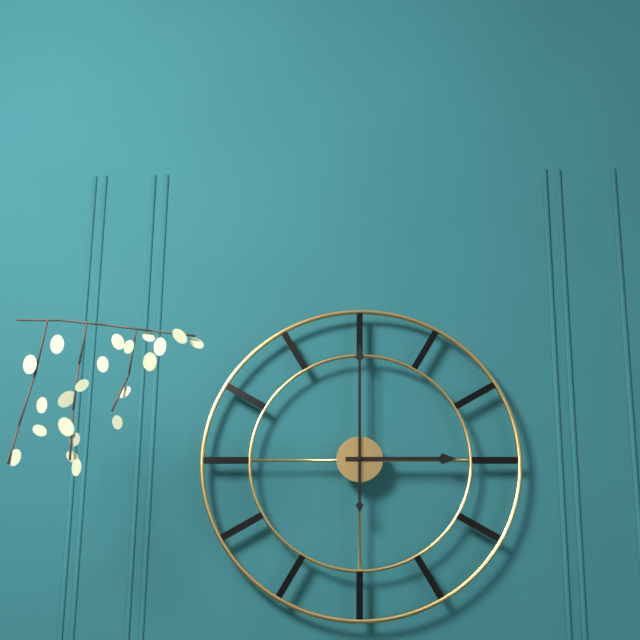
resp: 3,00
